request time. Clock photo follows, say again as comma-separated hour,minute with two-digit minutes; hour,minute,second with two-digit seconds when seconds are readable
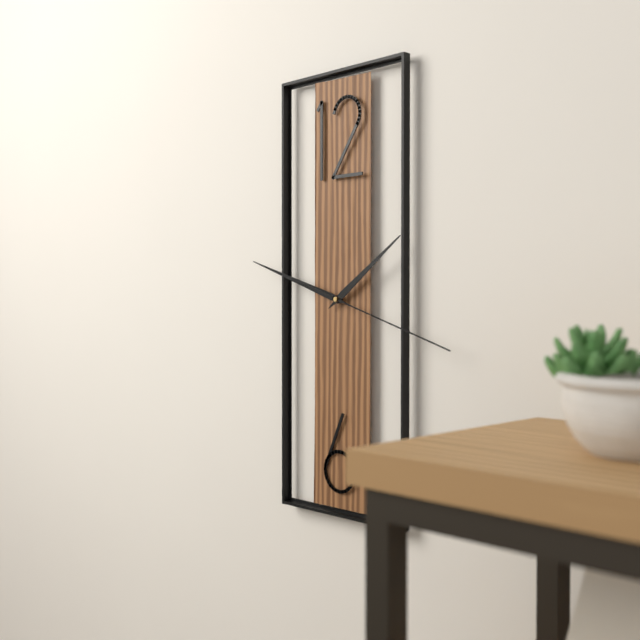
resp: 1,48,18
